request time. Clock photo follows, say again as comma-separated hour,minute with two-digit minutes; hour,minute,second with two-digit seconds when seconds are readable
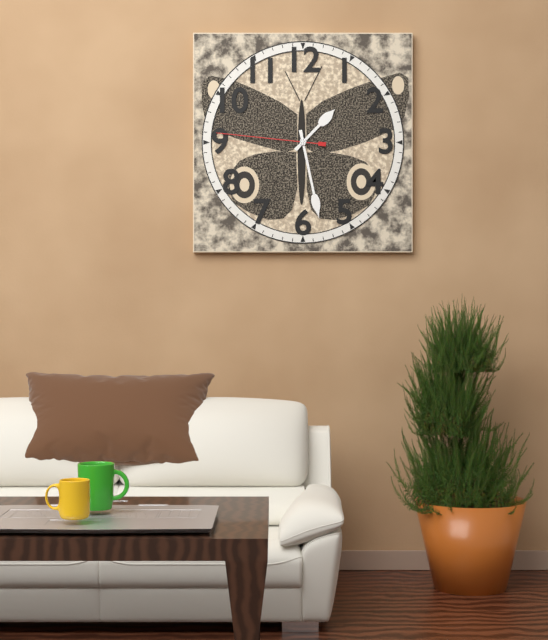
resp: 1,28,46
